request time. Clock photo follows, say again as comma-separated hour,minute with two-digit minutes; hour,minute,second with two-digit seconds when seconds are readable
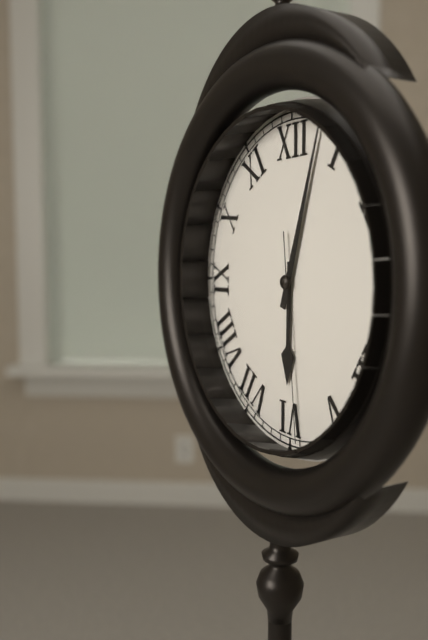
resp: 6,03,29
